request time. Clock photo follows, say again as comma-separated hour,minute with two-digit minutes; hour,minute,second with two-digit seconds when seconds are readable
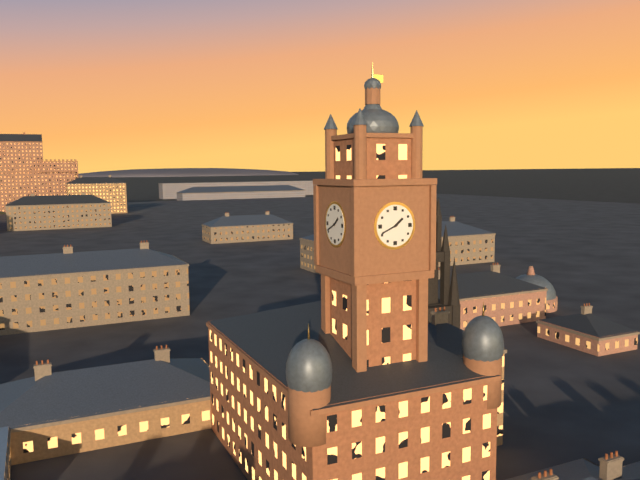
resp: 1,41
